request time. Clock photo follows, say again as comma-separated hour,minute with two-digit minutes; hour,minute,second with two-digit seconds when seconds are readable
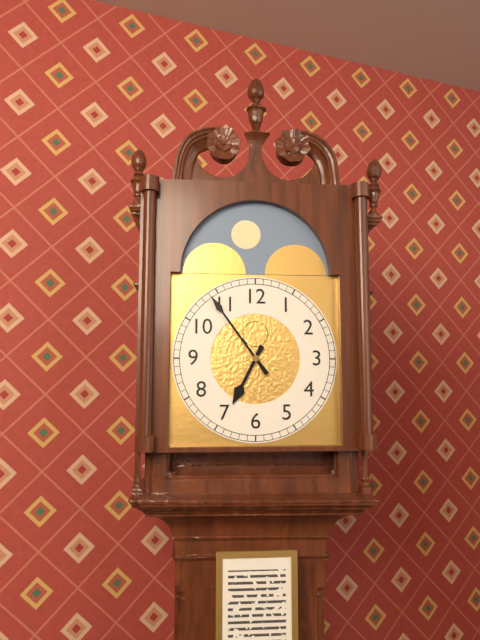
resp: 6,54
